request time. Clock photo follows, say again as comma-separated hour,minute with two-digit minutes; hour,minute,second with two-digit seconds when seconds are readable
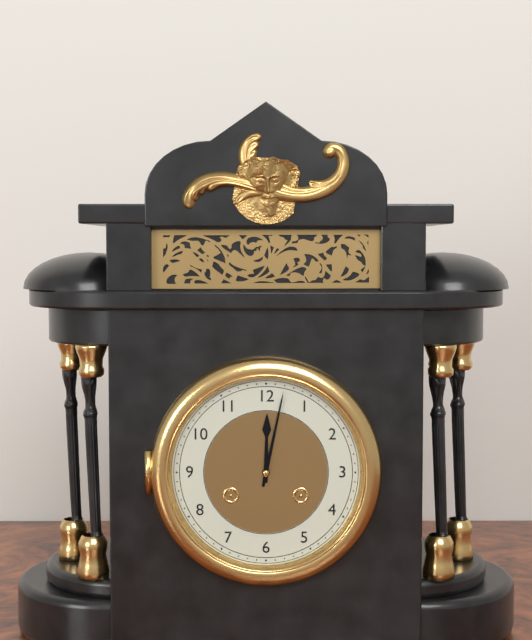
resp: 12,02
